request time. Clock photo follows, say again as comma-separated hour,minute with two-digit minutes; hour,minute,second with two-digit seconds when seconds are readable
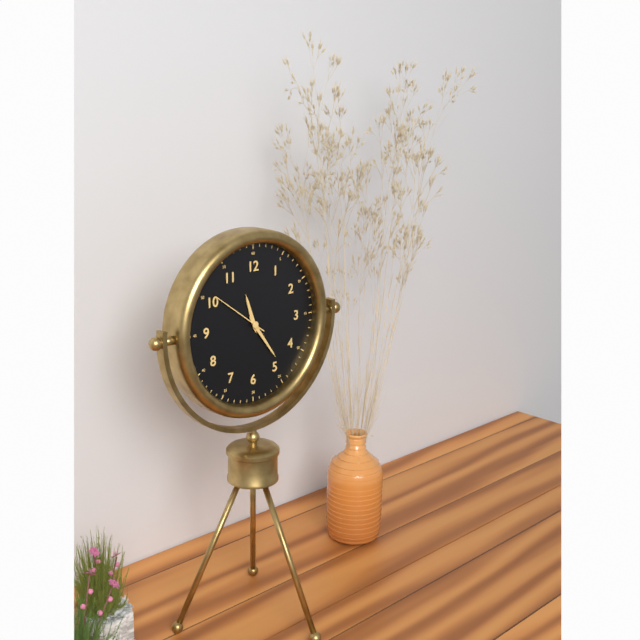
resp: 11,24,51
